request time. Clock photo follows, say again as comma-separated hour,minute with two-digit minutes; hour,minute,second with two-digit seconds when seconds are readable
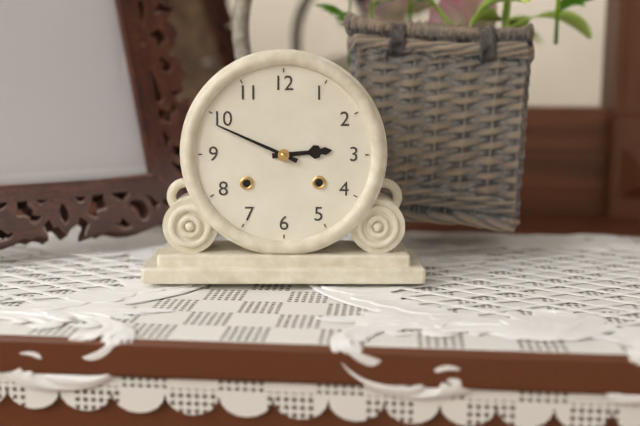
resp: 2,49
